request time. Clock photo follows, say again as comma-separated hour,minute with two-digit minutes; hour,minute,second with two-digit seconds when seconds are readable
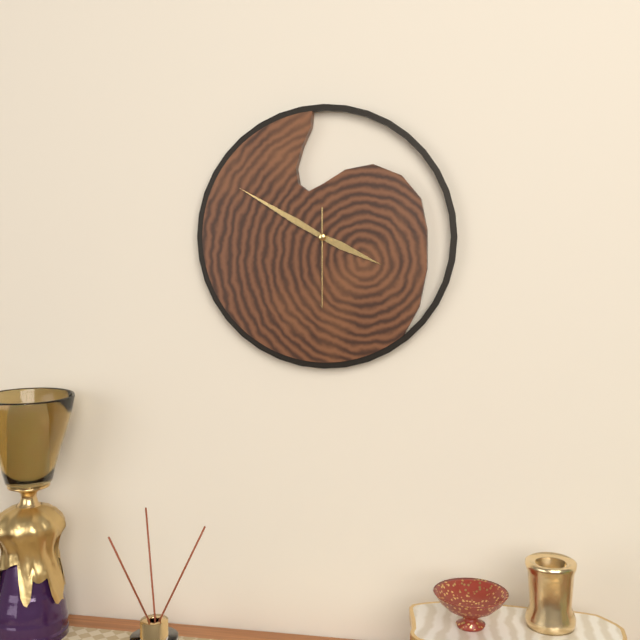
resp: 3,50,30
